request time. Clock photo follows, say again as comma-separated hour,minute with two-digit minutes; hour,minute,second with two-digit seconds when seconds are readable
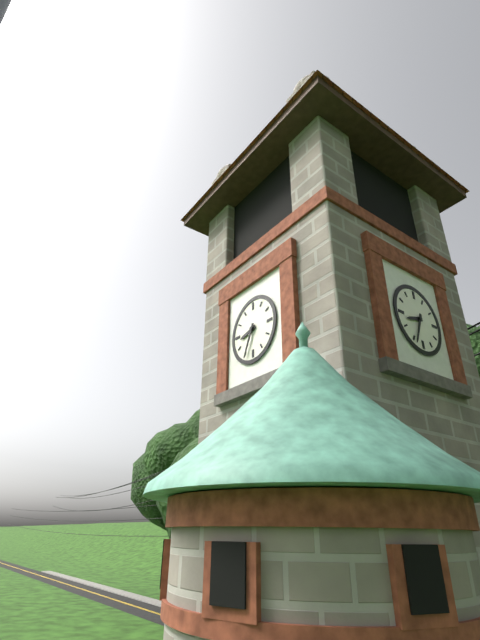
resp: 8,34
